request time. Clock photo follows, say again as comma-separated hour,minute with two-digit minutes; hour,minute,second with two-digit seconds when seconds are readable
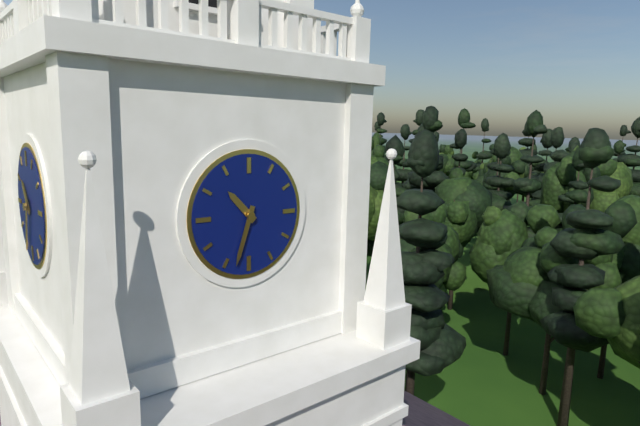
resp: 10,33
